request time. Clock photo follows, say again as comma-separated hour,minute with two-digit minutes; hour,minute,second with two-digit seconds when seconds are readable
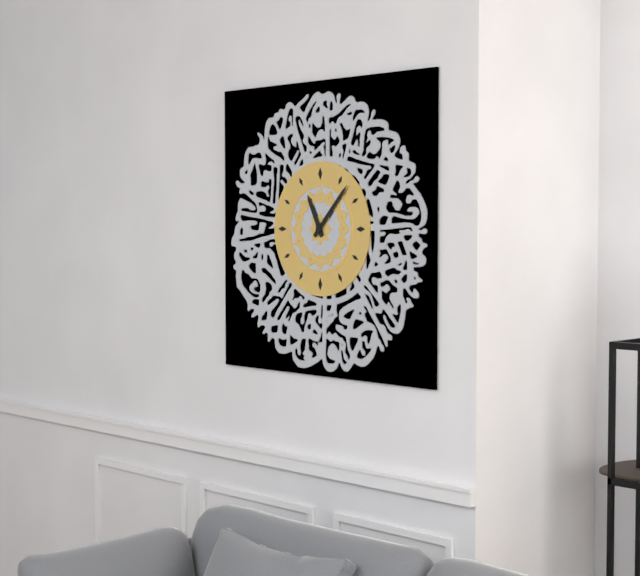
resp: 11,07
